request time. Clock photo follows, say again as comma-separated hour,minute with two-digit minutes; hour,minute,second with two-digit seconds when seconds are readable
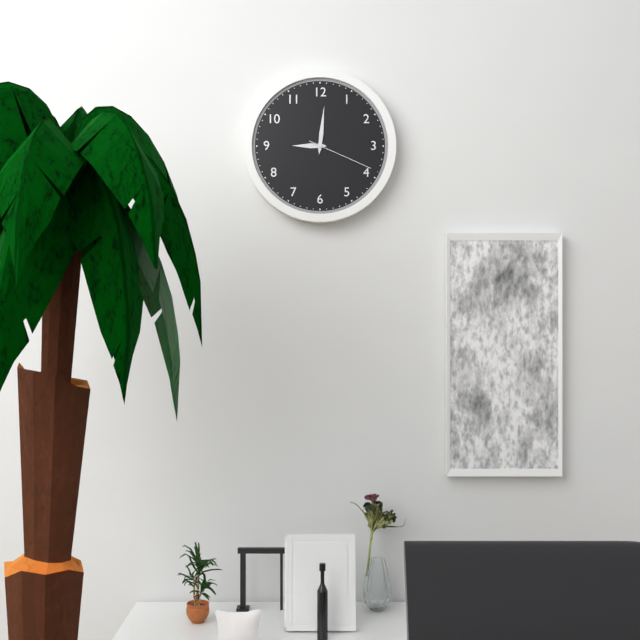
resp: 9,01,19
